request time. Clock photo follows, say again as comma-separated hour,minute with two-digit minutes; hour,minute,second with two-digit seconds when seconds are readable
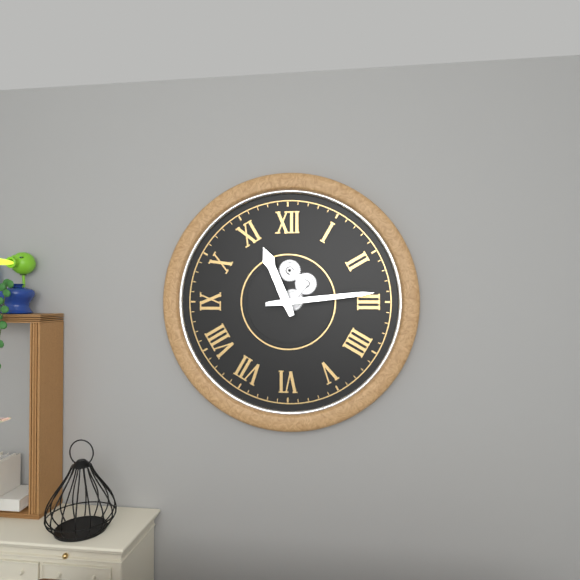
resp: 11,14
